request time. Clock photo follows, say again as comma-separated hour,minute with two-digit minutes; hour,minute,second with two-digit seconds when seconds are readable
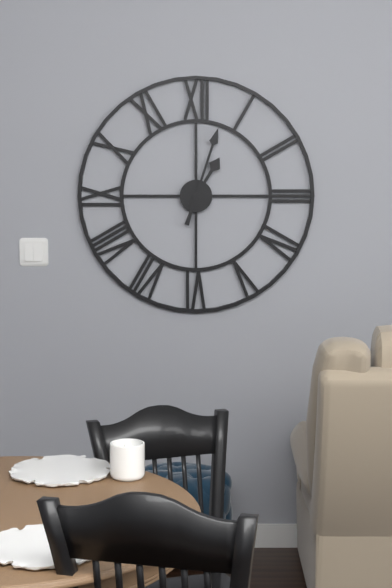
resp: 1,03
